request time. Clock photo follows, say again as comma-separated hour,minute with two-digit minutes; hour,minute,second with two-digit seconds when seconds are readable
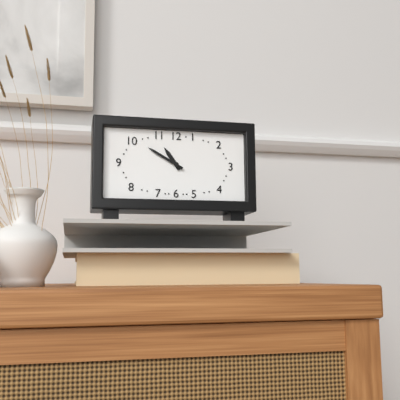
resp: 10,50
